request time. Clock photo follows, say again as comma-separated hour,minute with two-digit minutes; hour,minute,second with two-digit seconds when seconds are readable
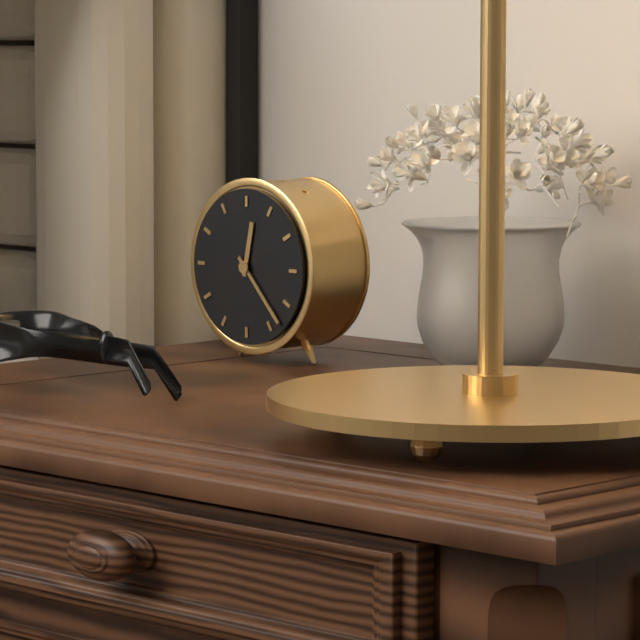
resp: 12,23
